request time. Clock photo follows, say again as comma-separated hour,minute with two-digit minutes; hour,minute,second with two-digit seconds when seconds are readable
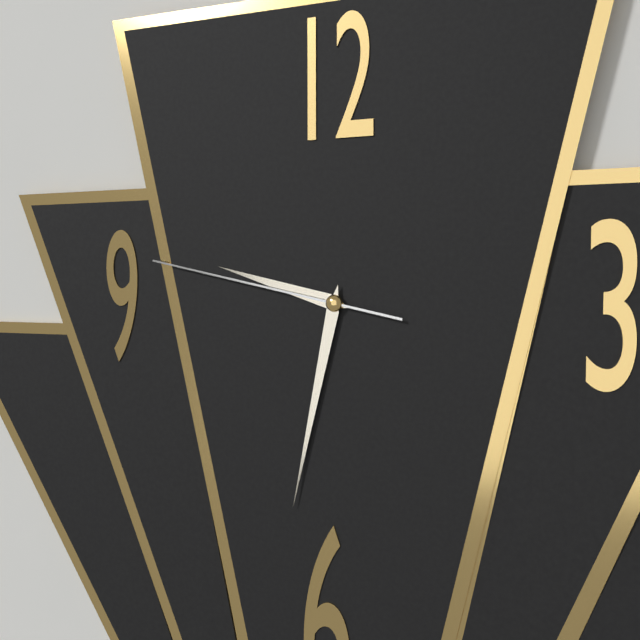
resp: 9,32,47
